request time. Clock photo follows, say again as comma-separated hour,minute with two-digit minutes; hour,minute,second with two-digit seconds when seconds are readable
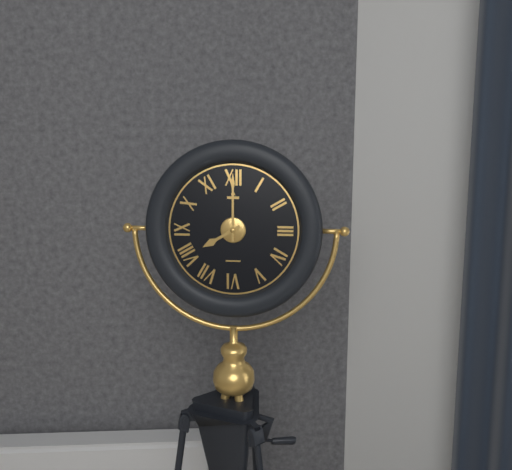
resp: 8,00
